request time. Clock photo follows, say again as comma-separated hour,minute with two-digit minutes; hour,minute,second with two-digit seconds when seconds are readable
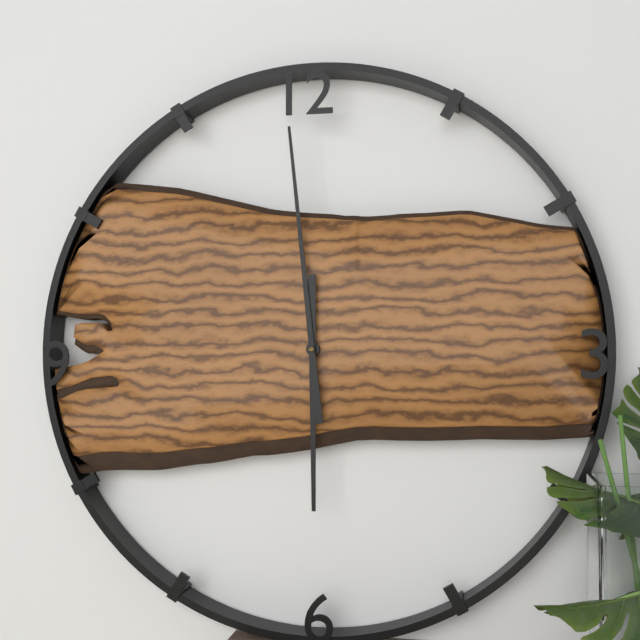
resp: 5,59
